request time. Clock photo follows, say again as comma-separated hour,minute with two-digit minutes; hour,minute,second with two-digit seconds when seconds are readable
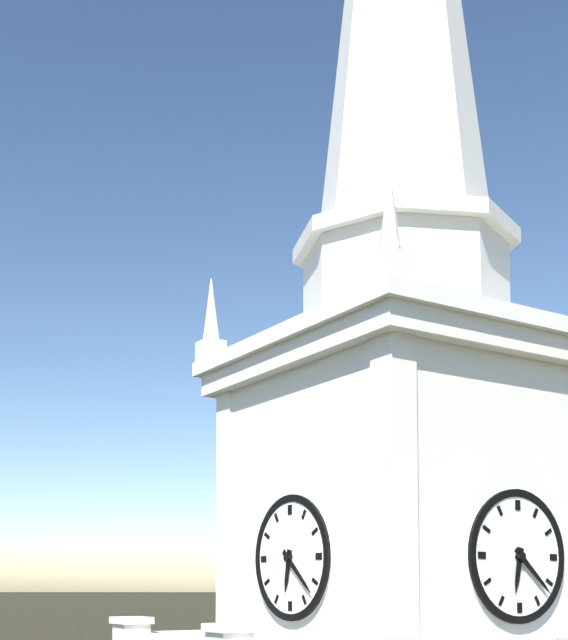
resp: 6,22
